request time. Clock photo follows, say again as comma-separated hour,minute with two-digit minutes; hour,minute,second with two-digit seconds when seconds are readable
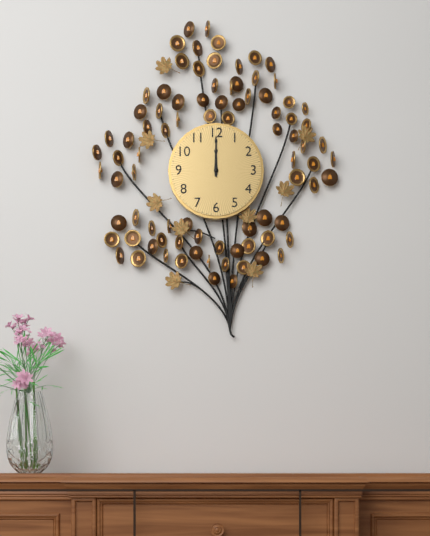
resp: 12,00
